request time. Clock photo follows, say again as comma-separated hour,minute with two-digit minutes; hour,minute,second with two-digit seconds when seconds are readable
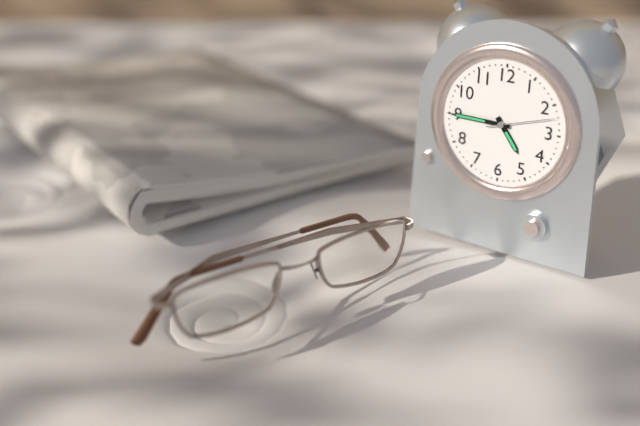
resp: 4,45,12
